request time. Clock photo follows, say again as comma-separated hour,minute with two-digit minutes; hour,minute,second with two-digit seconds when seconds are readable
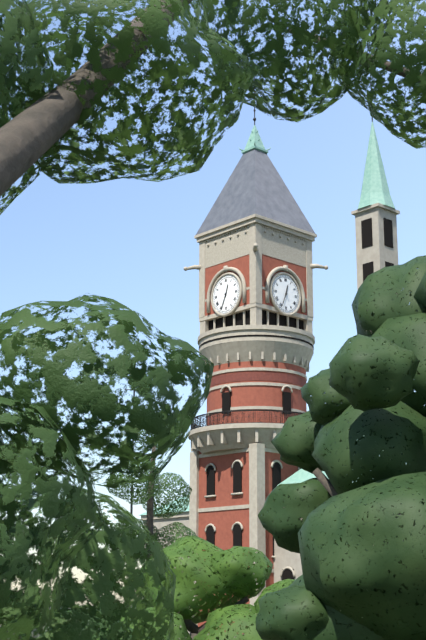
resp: 12,34
